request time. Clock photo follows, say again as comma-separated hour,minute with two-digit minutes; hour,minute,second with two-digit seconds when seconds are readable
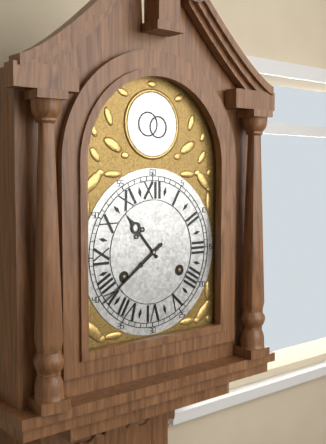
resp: 10,39
